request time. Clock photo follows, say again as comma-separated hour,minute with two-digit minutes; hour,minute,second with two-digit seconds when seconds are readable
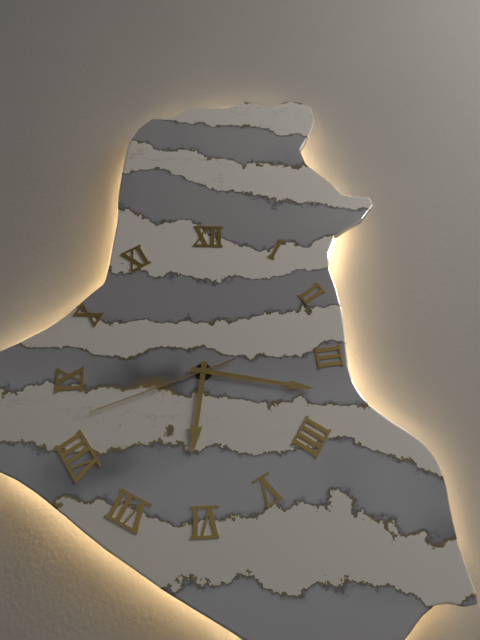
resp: 6,17,42
